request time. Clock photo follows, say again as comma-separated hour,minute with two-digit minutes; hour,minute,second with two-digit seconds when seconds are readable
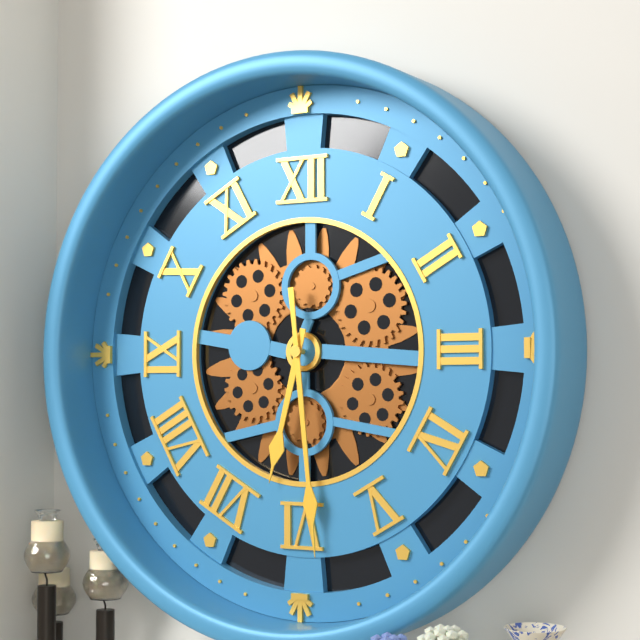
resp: 6,29
